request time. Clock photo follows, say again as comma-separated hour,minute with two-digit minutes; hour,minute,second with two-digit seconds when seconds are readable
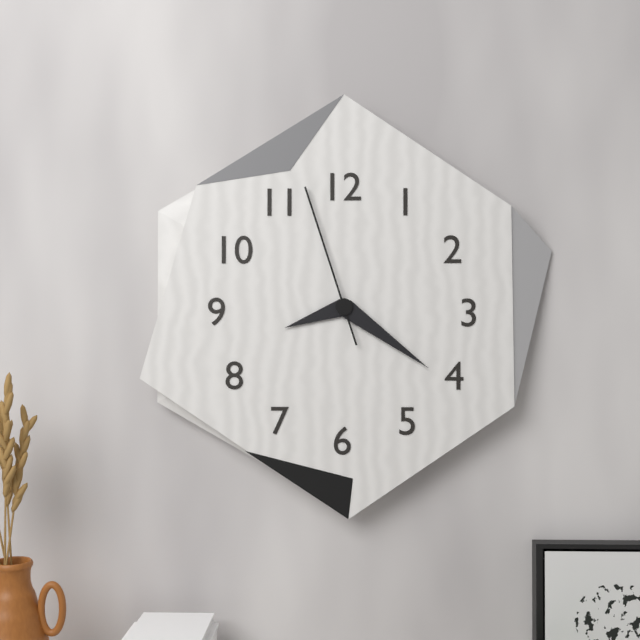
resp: 8,21,57
